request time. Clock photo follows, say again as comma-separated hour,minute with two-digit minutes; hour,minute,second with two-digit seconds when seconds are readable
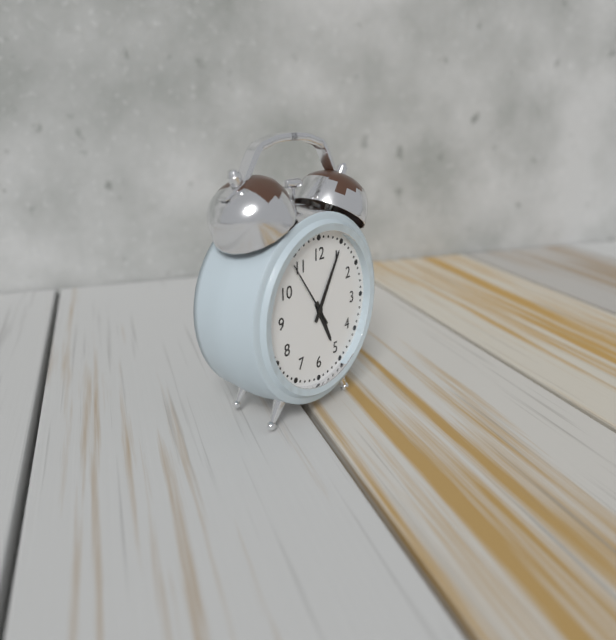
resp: 5,05,54
